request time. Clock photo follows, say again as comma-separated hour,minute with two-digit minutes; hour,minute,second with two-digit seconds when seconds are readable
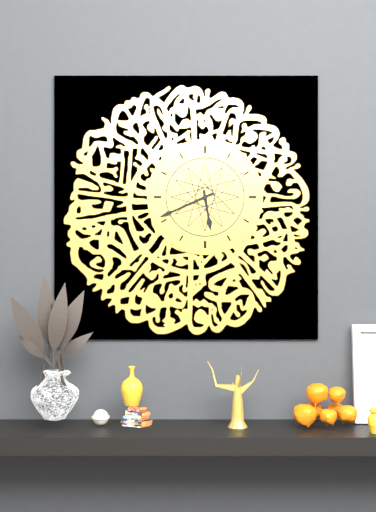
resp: 5,41
